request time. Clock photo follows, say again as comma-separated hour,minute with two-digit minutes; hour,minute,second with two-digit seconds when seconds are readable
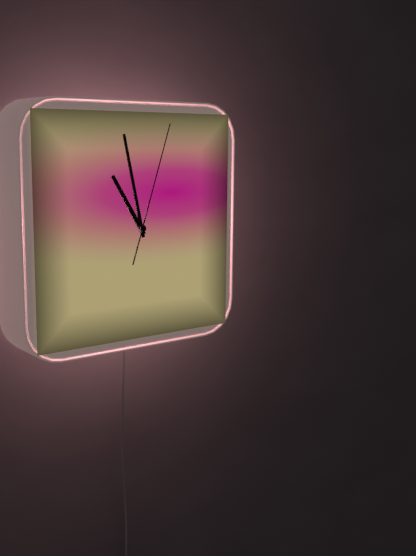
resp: 10,58,03
